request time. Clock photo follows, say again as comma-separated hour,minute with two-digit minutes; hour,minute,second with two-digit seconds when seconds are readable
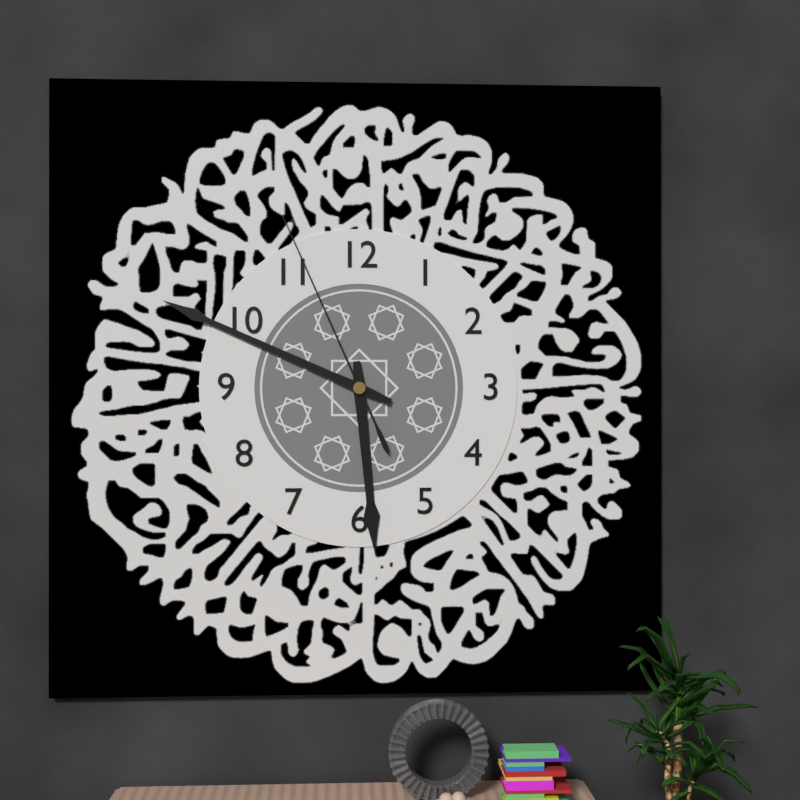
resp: 5,49,56
